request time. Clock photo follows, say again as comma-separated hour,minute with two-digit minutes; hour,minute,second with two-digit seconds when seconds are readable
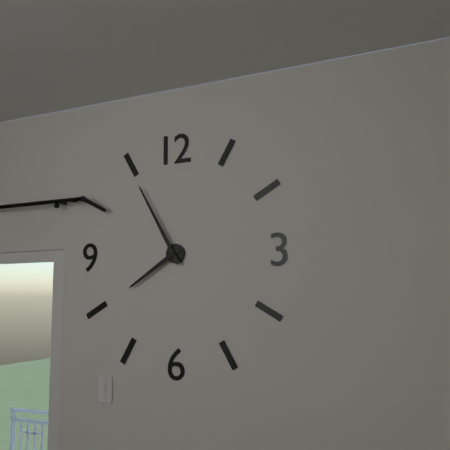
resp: 7,55
